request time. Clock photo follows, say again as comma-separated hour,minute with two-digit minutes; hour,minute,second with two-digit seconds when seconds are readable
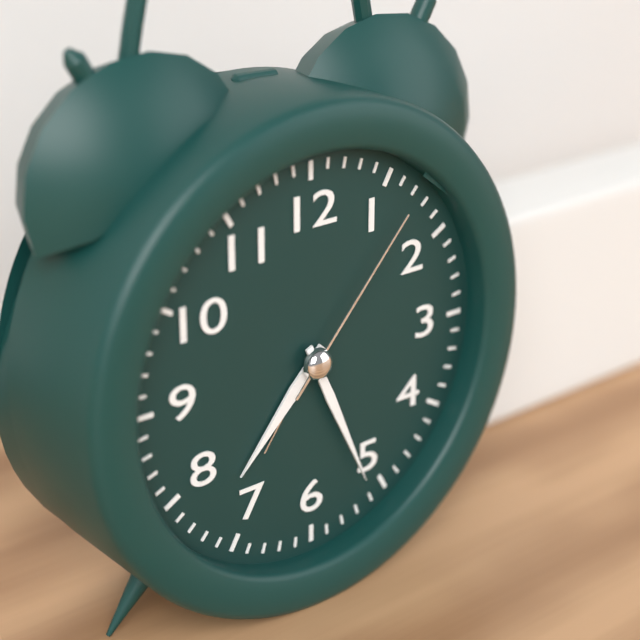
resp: 7,26,07
